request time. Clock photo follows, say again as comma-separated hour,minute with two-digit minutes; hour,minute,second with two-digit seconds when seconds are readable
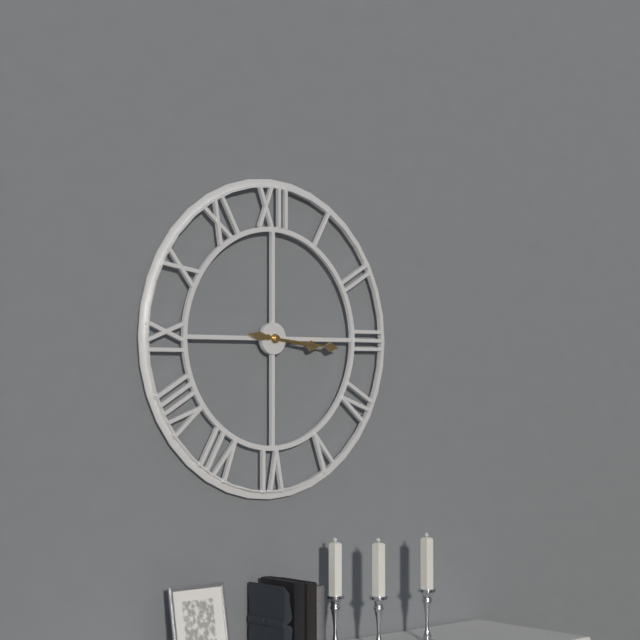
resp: 3,16
